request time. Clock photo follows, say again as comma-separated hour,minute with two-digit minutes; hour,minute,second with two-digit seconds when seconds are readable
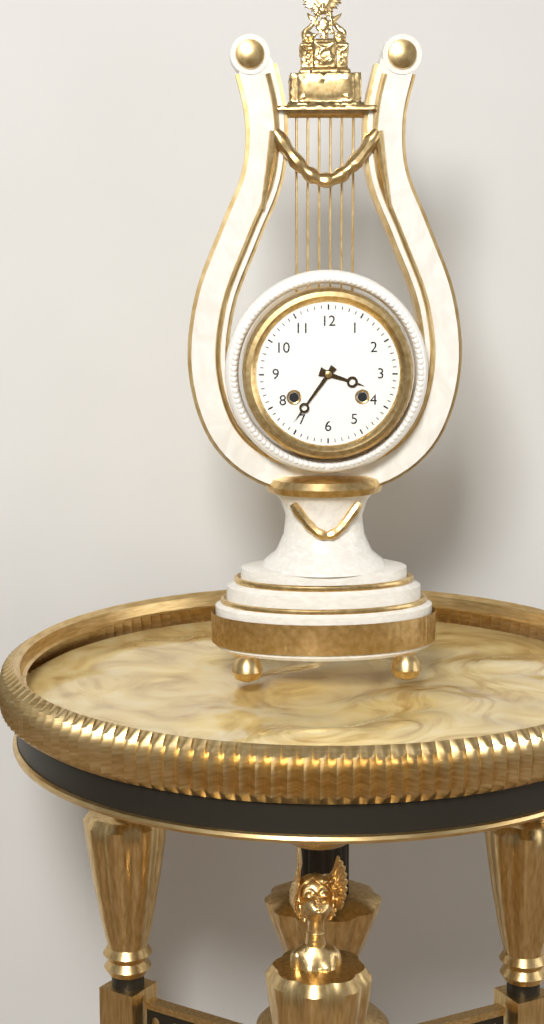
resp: 3,36
